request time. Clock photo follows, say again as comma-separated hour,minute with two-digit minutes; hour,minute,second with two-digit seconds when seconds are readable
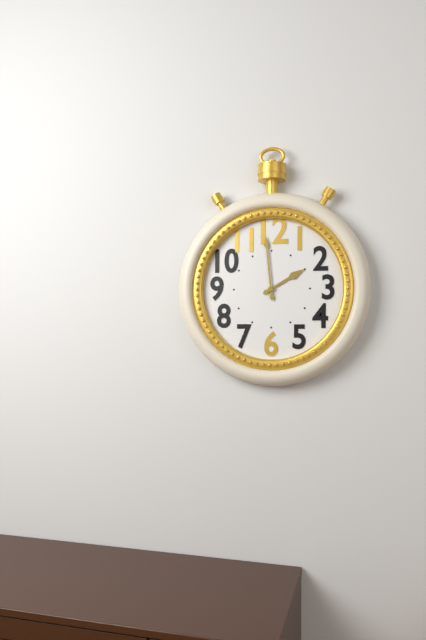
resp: 1,59
